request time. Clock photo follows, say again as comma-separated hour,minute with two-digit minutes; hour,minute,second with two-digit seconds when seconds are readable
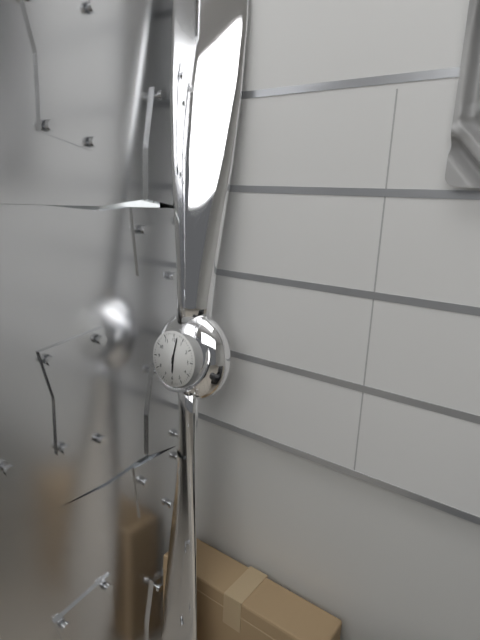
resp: 6,02
